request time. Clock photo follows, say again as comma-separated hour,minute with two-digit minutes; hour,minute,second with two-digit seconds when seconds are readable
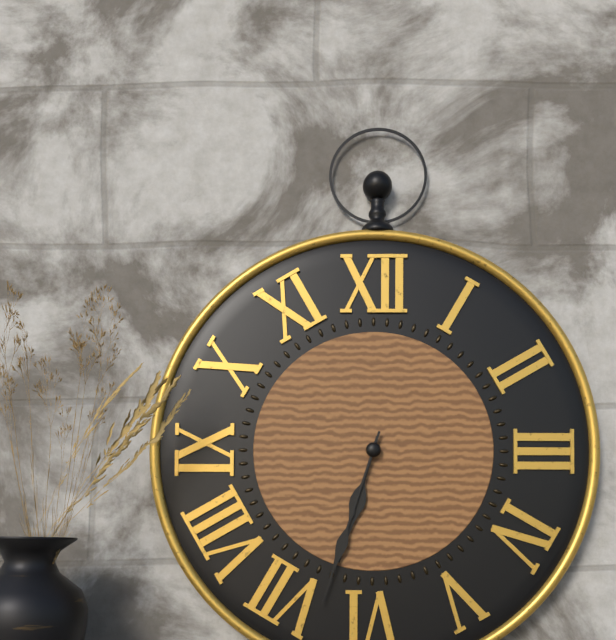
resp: 6,33
